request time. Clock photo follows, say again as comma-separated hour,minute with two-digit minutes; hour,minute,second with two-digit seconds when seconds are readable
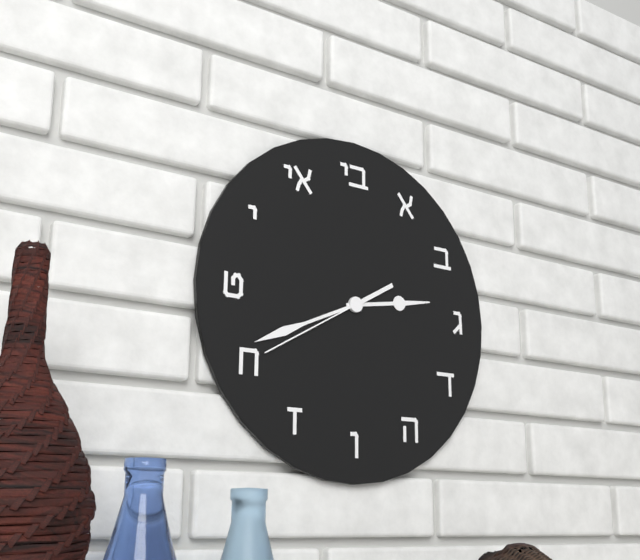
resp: 2,41,40
